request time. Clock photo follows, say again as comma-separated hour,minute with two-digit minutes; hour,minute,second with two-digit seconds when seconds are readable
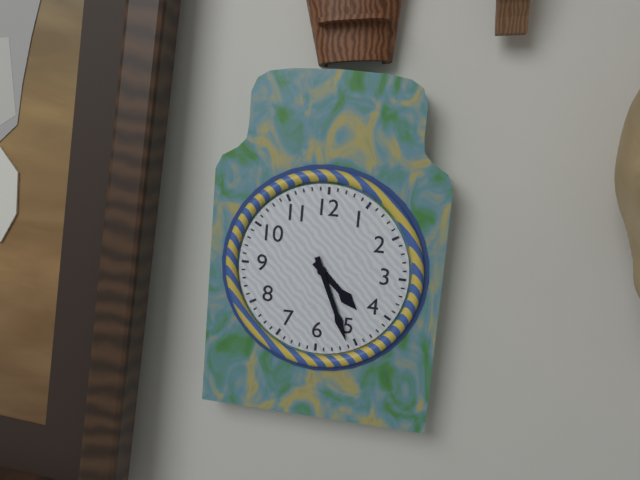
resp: 4,26
